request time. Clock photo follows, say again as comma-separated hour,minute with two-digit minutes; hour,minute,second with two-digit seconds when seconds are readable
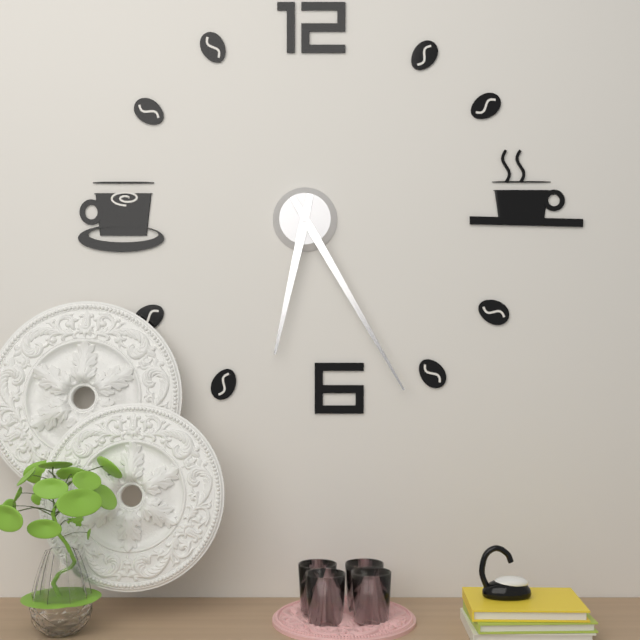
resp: 6,25
